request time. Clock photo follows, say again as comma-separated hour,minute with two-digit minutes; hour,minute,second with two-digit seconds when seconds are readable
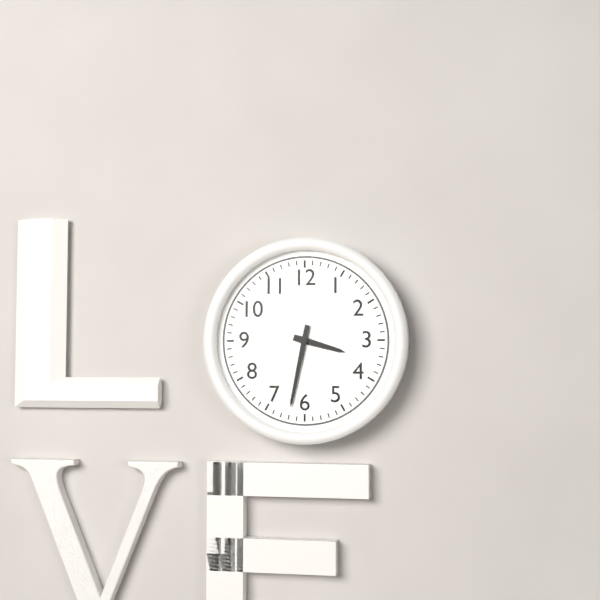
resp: 3,32
